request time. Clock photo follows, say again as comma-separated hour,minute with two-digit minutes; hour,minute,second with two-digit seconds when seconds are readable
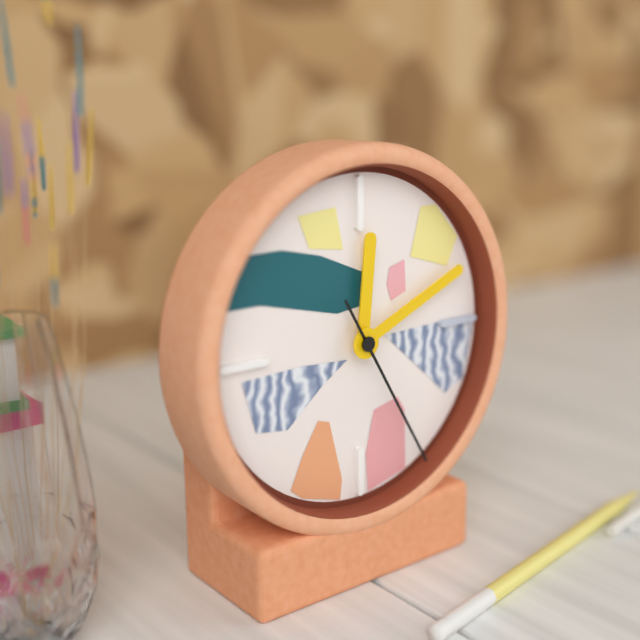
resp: 12,11,25
